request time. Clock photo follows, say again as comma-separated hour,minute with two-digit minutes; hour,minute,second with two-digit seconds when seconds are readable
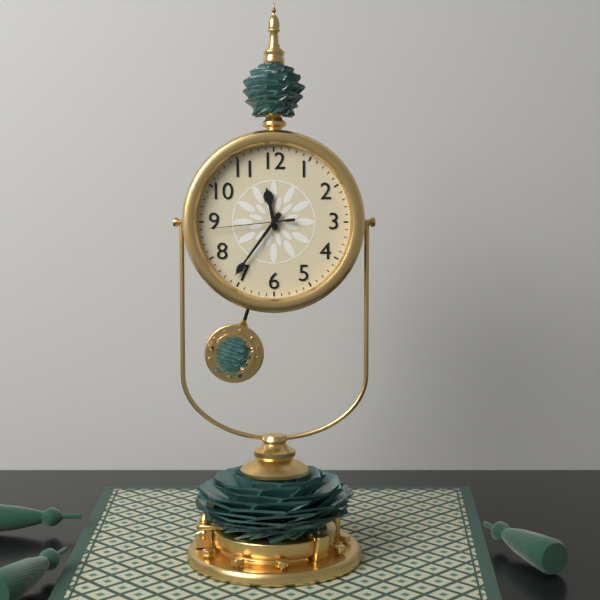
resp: 11,36,44
